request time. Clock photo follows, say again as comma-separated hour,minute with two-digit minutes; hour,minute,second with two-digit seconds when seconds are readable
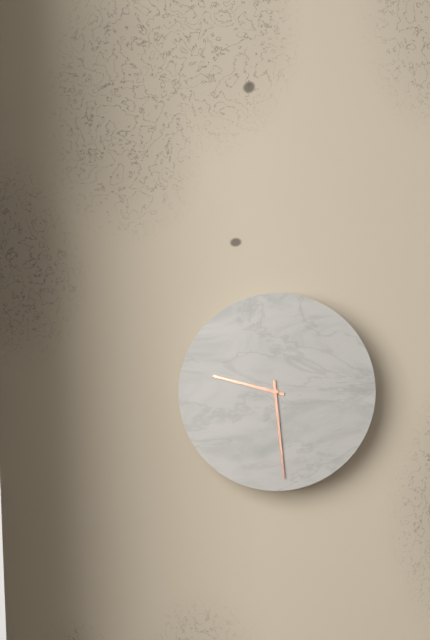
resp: 9,29
